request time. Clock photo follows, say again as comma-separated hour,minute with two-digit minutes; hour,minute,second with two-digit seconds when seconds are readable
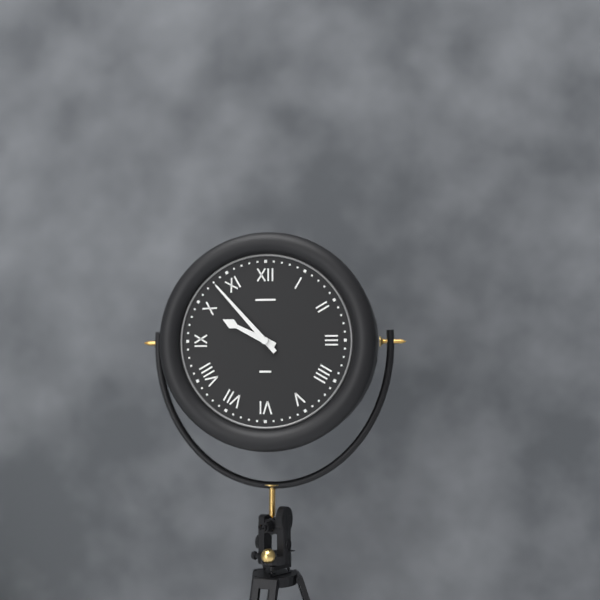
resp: 9,53
